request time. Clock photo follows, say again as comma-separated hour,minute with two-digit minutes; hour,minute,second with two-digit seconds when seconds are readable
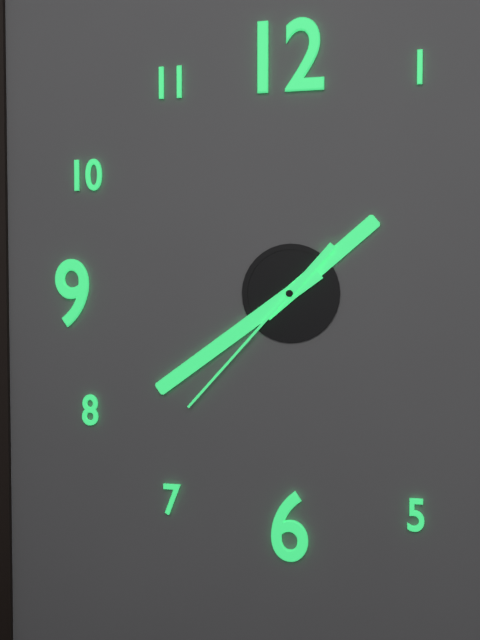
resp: 1,39,37
